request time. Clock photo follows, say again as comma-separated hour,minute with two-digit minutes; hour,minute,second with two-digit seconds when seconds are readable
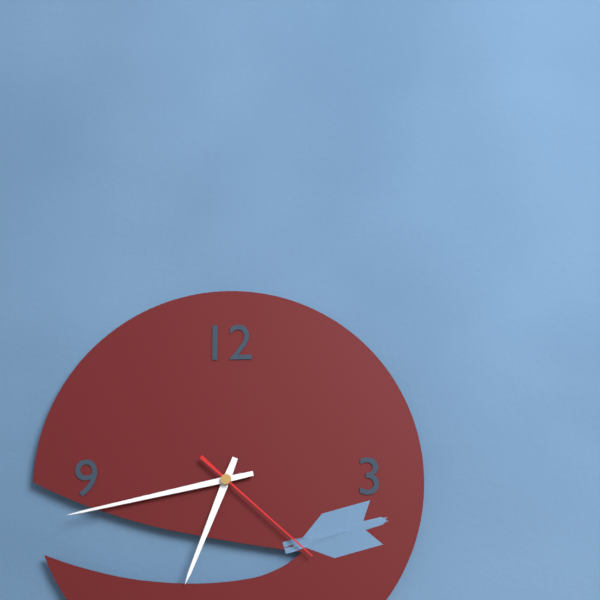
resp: 6,43,22
